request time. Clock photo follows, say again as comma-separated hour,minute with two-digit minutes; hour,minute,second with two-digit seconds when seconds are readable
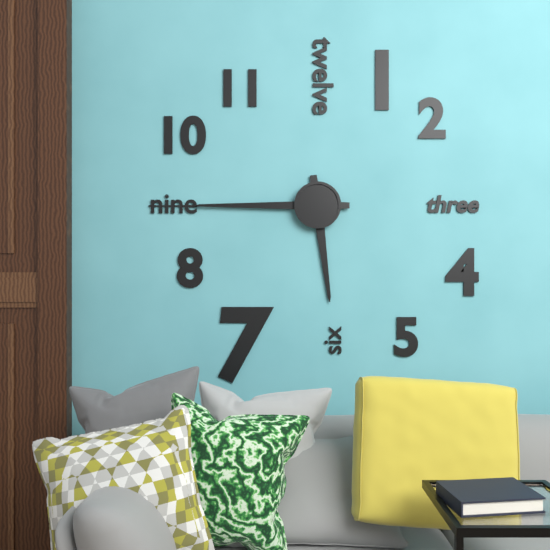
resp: 5,45
